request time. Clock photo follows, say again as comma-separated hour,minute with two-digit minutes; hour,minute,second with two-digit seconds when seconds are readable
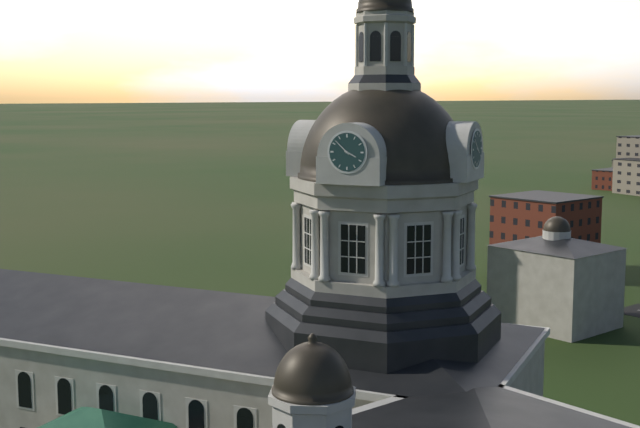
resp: 3,52
